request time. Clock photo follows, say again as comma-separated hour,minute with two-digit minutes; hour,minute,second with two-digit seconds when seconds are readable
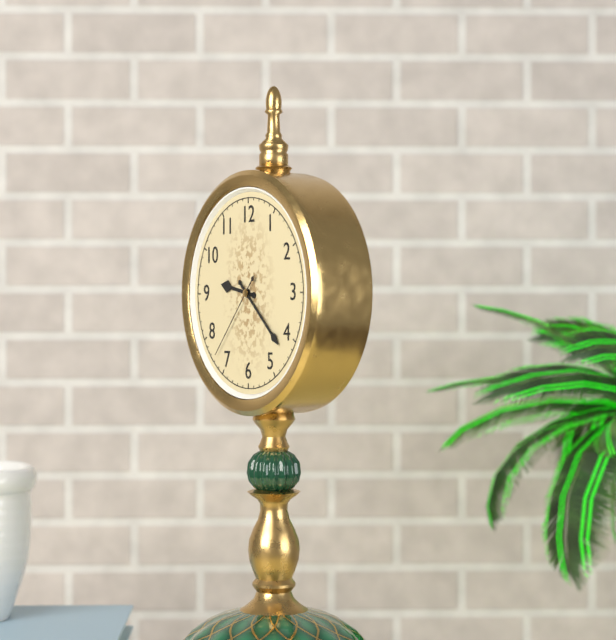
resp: 9,22,37
